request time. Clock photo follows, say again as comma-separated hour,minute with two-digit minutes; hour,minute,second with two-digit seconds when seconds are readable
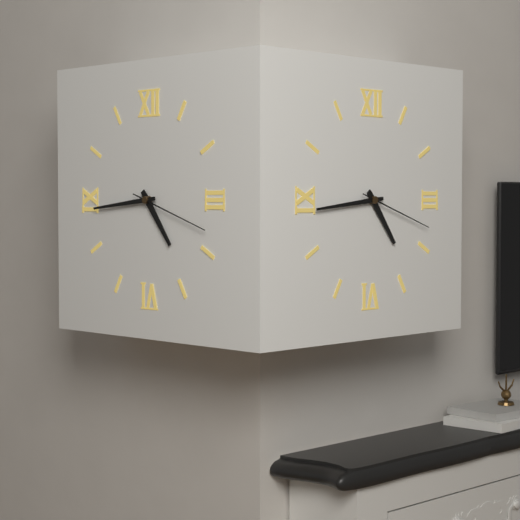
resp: 4,44,18
